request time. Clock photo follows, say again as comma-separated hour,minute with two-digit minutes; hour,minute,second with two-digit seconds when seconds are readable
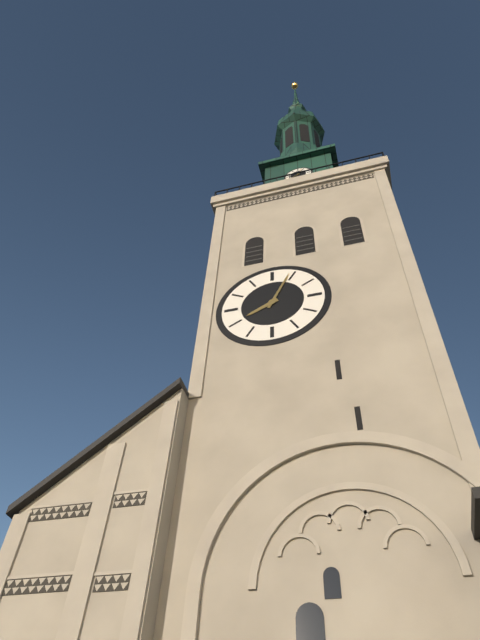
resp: 8,04
